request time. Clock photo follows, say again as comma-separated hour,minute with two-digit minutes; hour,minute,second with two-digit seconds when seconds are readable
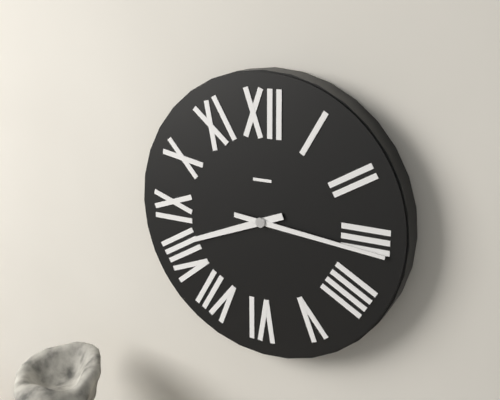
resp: 8,16
